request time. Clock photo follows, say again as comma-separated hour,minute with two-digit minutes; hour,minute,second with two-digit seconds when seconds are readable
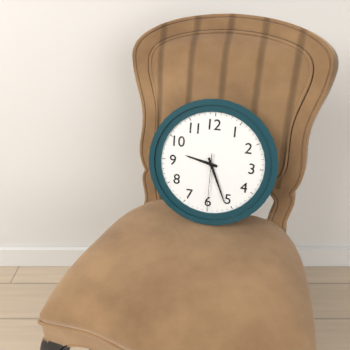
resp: 9,26,30
